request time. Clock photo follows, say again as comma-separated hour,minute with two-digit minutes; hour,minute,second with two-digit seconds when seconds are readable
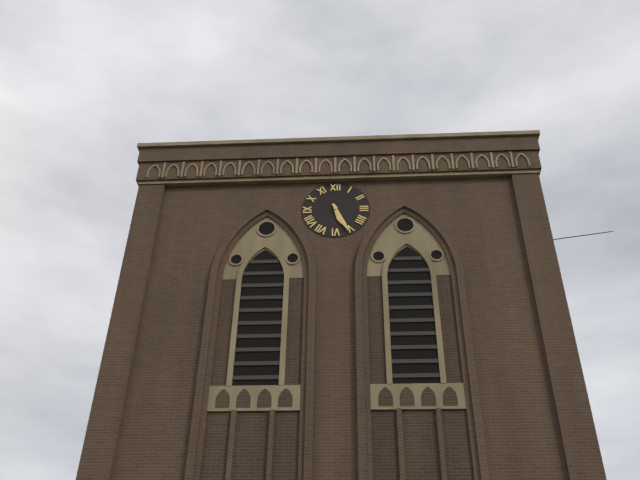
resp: 5,26
